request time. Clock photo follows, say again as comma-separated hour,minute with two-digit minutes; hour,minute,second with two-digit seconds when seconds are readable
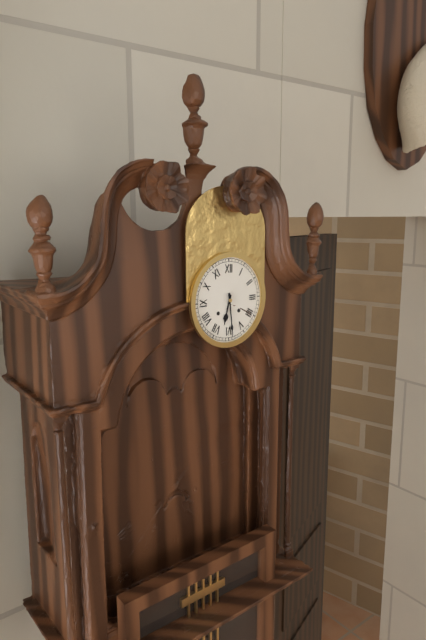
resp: 6,29
